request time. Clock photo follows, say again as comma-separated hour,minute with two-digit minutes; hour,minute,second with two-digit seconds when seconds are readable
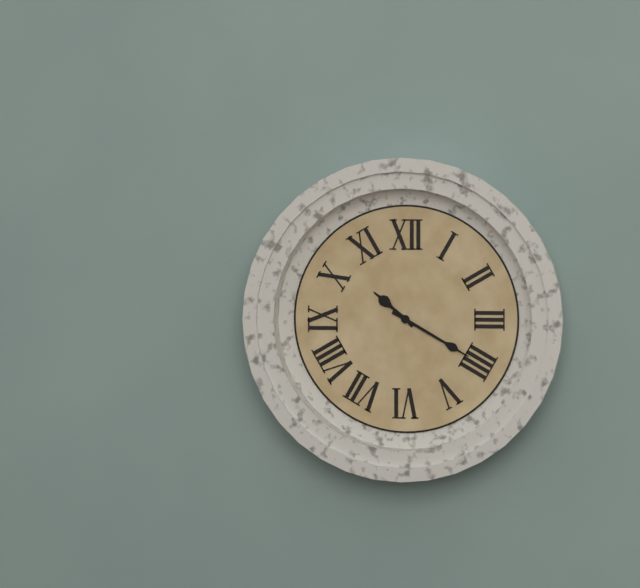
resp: 10,20
